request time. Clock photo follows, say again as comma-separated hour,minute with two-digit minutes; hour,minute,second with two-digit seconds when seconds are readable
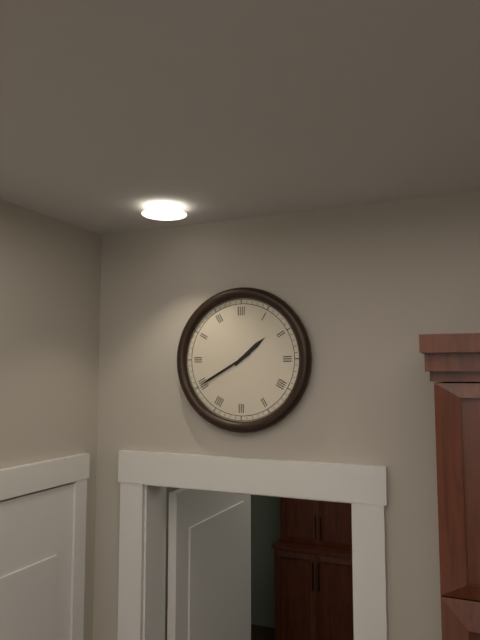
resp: 1,40
